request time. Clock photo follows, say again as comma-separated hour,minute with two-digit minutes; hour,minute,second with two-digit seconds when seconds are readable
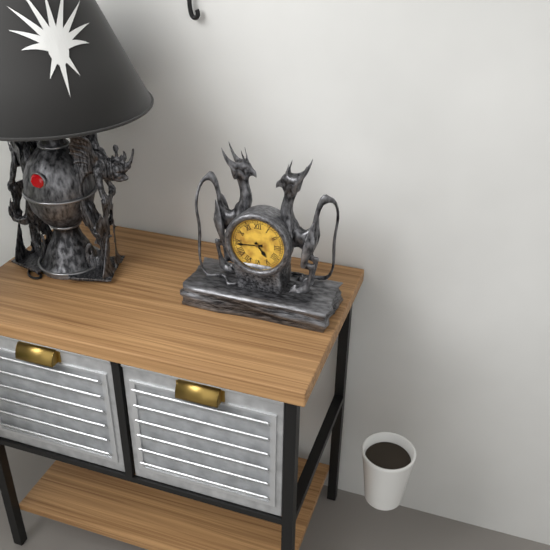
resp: 4,44
